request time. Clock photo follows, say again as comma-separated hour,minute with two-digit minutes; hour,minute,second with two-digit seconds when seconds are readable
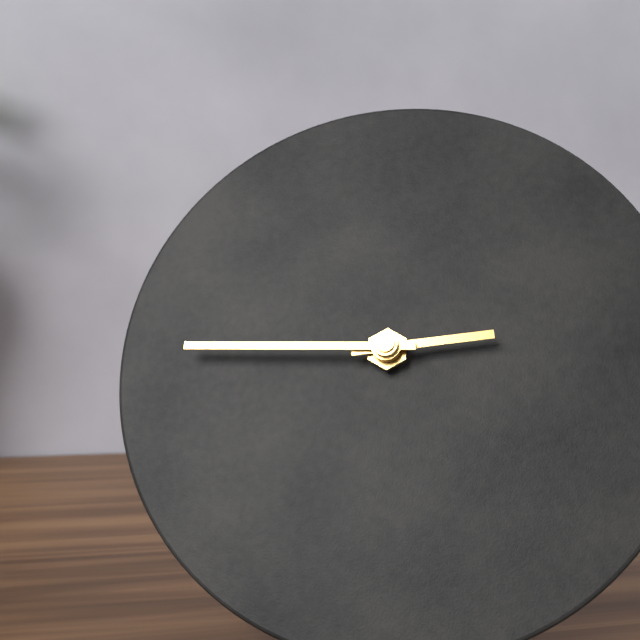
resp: 2,45
